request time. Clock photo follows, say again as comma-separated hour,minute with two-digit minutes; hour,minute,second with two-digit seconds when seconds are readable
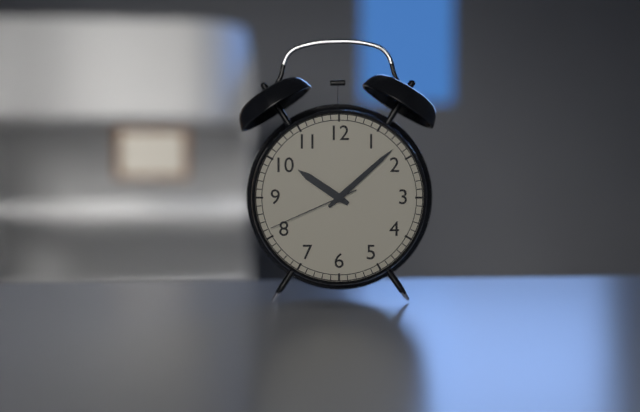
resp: 10,08,41
